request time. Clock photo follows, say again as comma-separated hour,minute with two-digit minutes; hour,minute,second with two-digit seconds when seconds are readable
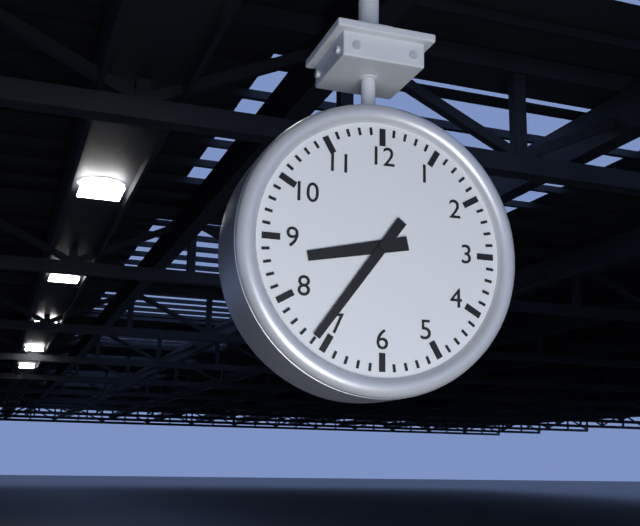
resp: 8,36
